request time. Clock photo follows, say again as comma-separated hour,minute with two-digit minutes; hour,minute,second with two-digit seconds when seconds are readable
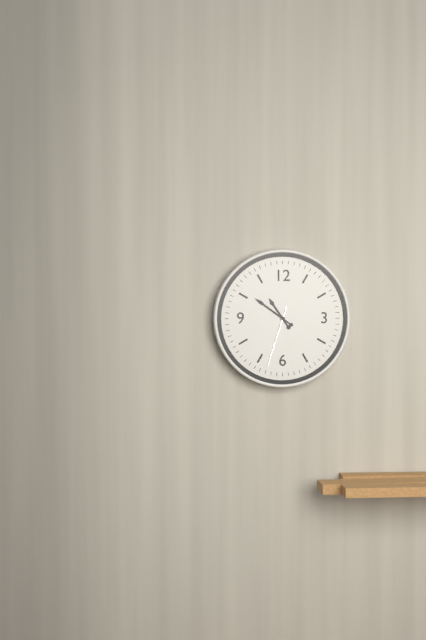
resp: 10,51,33
